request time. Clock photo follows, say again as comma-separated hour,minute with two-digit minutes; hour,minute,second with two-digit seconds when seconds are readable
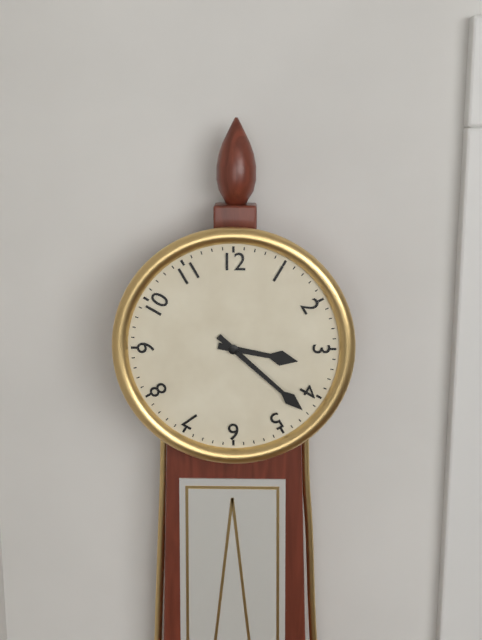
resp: 3,22
